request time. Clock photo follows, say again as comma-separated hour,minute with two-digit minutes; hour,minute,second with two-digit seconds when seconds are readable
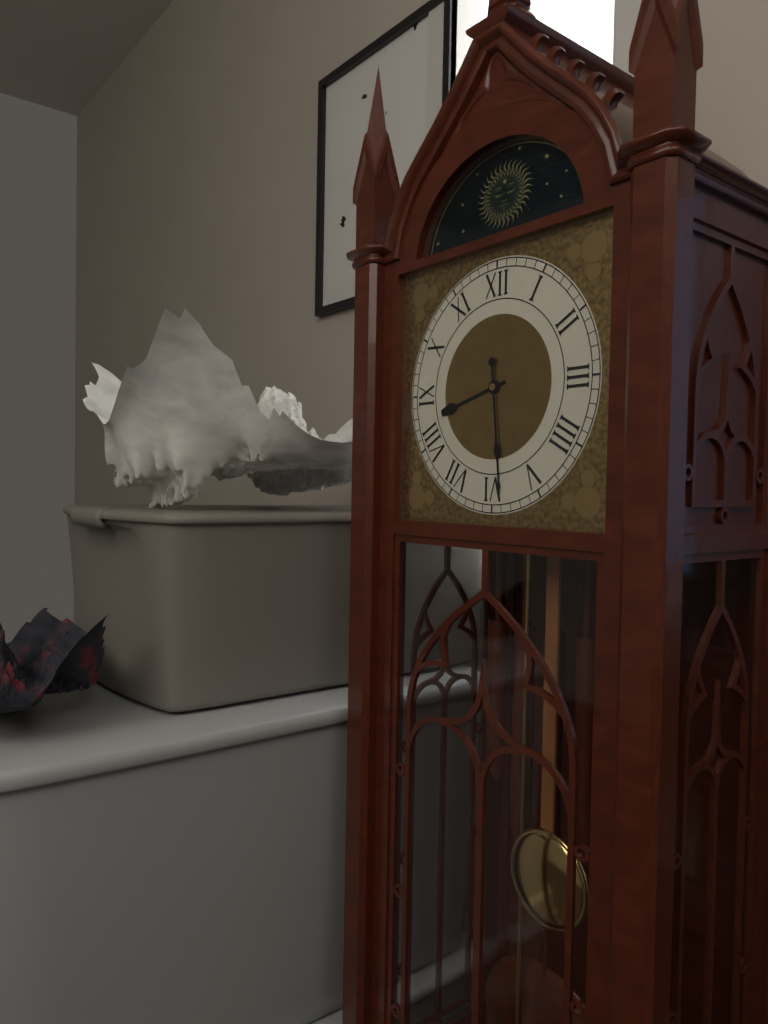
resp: 8,29
